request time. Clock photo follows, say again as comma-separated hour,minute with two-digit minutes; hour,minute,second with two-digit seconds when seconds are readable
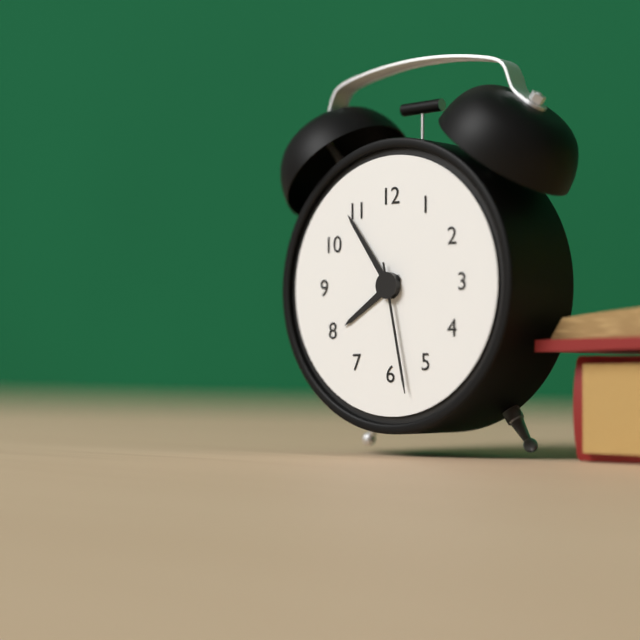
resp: 7,54,28
